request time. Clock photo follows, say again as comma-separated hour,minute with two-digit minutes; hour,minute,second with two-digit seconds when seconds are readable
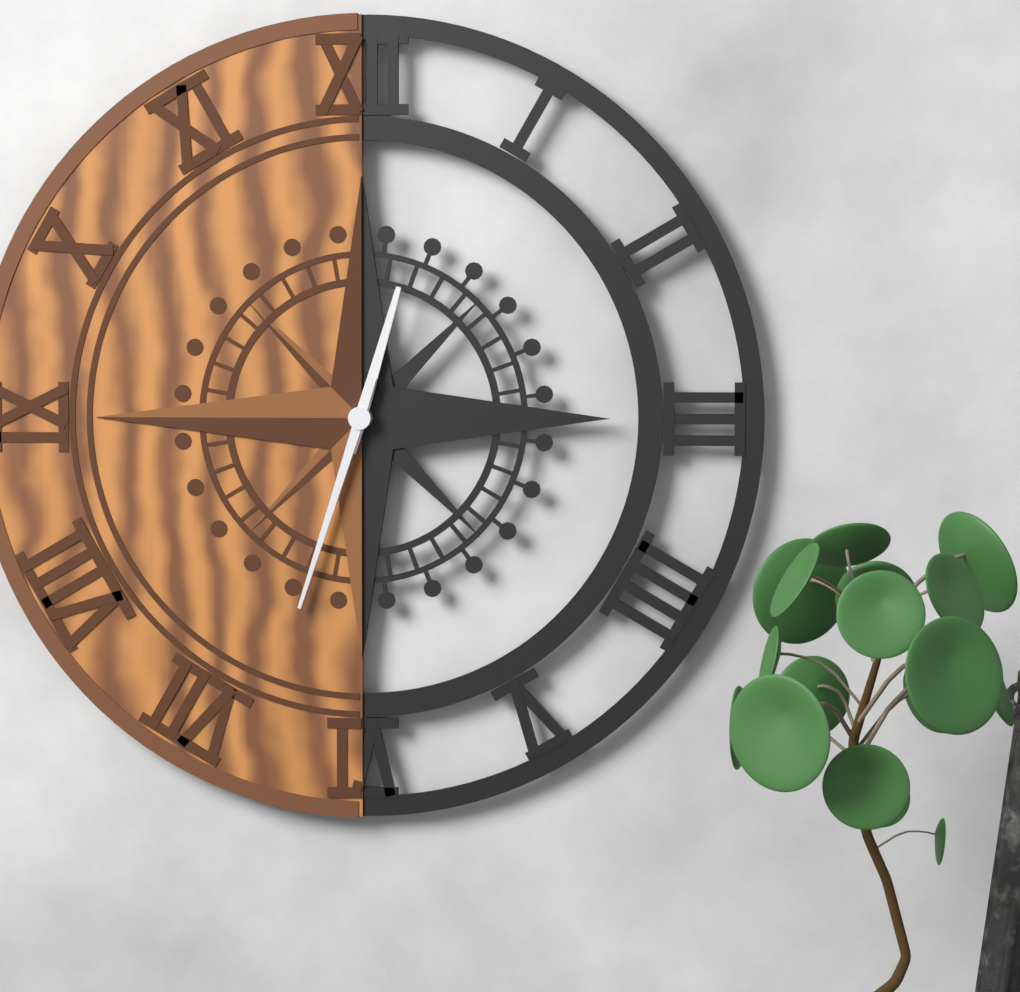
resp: 12,33
